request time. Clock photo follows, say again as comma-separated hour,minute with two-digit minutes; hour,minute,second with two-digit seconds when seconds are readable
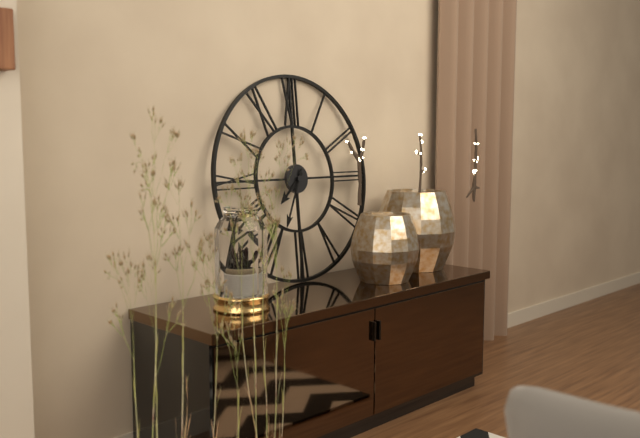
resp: 7,34
